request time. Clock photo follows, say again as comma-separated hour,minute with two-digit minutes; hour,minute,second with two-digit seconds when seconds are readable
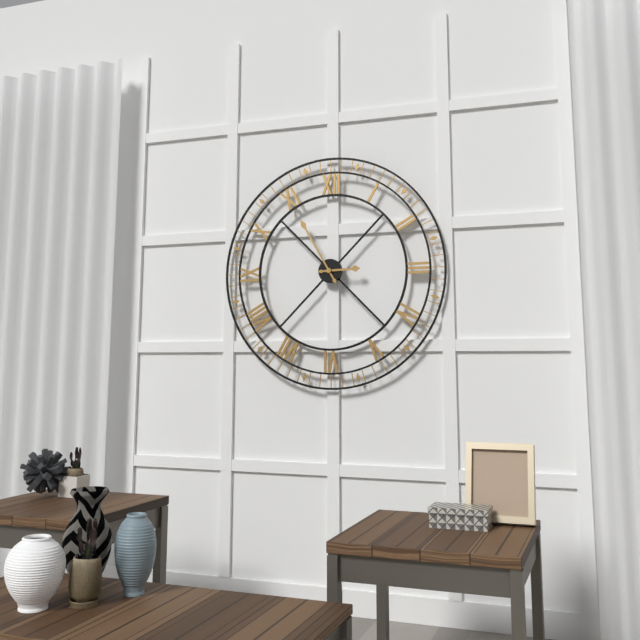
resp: 2,55
